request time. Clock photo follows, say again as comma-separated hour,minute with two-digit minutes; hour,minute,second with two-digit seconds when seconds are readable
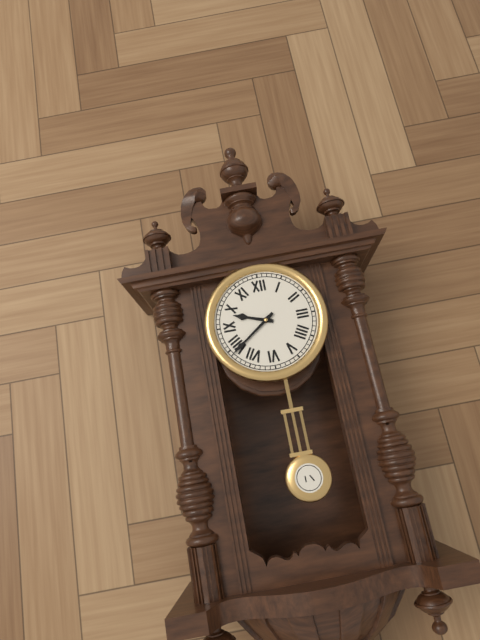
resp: 9,39
